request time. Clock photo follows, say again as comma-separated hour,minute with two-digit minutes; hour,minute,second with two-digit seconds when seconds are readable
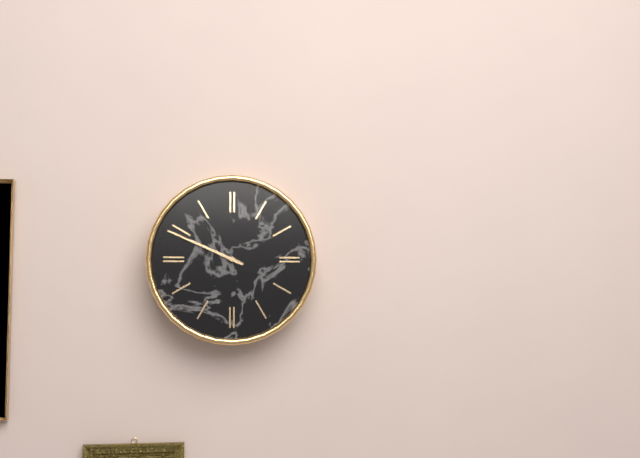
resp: 9,49
